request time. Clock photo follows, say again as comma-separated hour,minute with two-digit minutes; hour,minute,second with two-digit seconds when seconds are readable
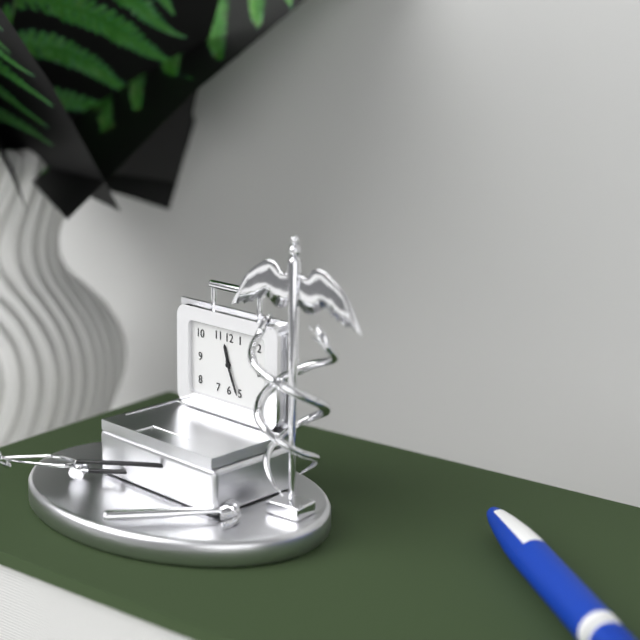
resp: 11,26
